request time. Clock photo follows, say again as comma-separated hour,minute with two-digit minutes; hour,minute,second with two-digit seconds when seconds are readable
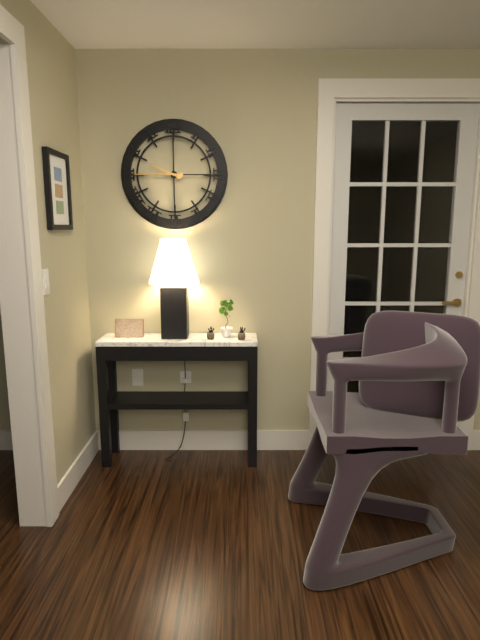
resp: 9,45
